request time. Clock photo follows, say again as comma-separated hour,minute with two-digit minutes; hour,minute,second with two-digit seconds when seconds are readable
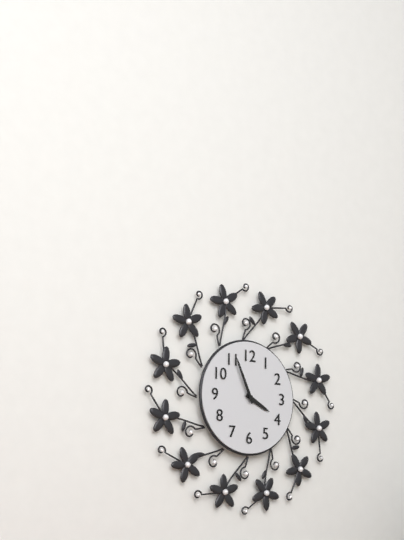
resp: 3,56
